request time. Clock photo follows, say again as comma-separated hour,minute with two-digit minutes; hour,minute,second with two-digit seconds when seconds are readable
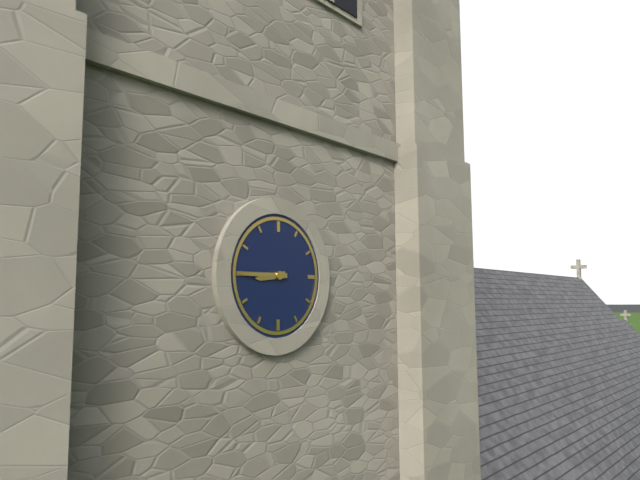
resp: 8,45
